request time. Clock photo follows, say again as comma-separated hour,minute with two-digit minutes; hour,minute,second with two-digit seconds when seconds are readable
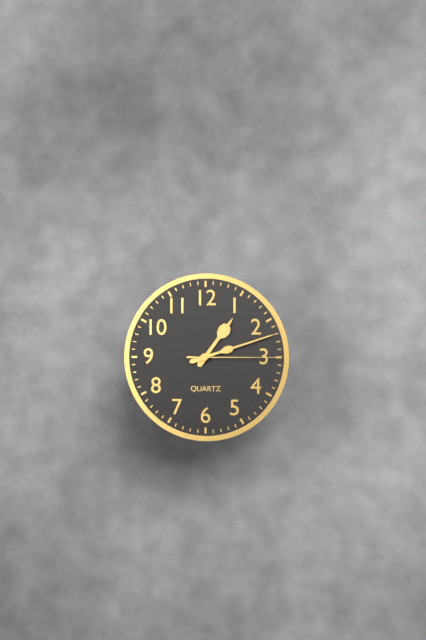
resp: 1,12,15
